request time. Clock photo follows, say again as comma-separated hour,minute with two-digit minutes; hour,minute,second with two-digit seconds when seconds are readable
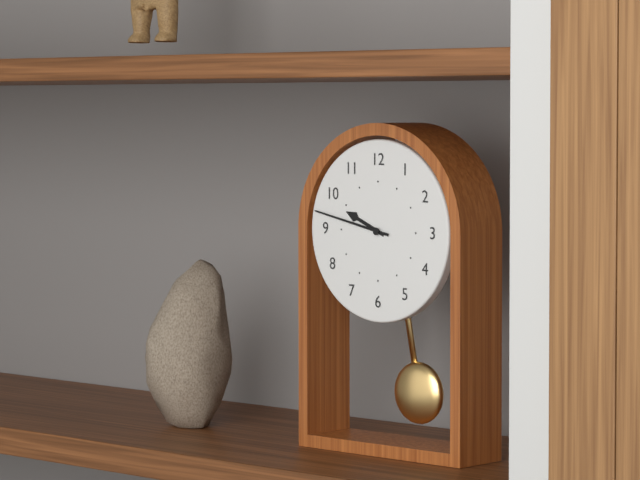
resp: 9,47
